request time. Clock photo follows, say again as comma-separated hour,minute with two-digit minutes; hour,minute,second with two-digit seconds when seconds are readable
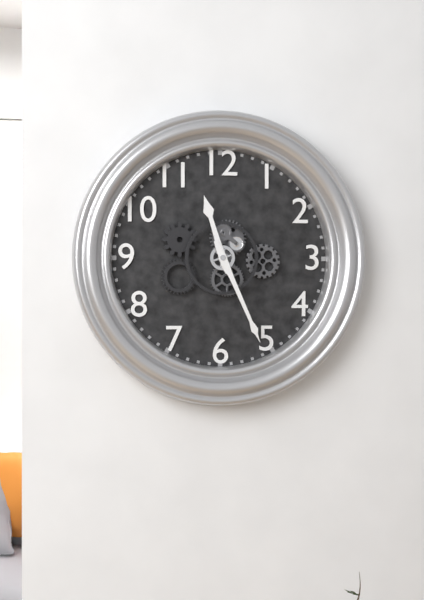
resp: 11,26
